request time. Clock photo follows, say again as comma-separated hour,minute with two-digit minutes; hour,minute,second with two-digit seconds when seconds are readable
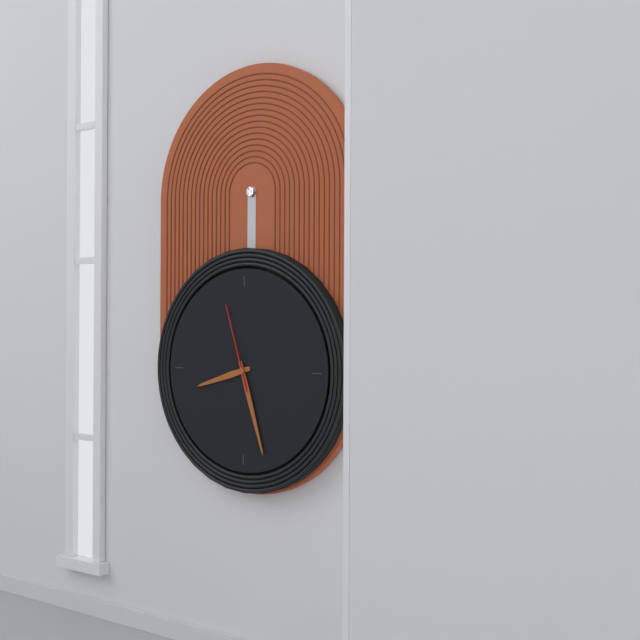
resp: 8,27,57
